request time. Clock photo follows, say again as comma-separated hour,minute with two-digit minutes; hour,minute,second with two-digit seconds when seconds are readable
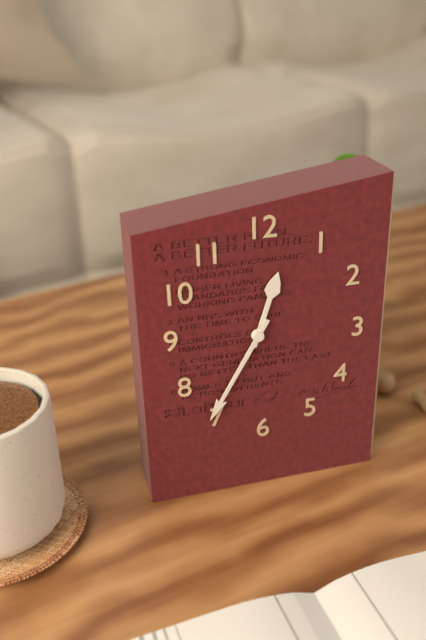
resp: 12,35
